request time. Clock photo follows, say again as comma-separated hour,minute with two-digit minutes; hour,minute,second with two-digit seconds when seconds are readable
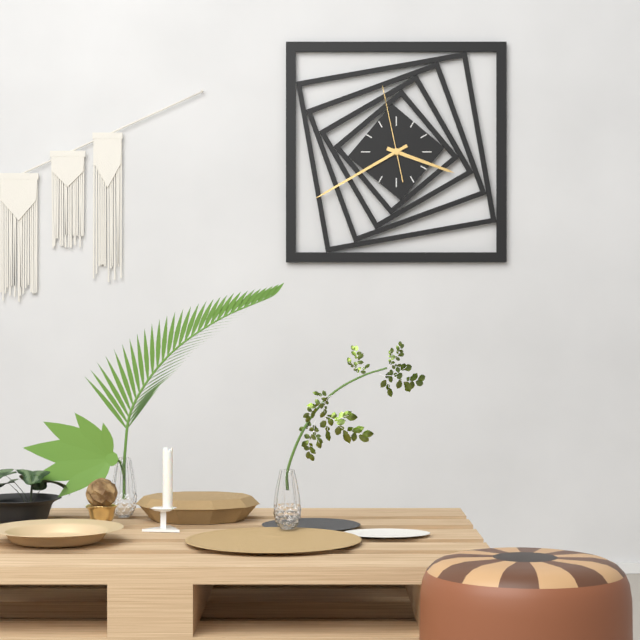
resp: 3,40,58
